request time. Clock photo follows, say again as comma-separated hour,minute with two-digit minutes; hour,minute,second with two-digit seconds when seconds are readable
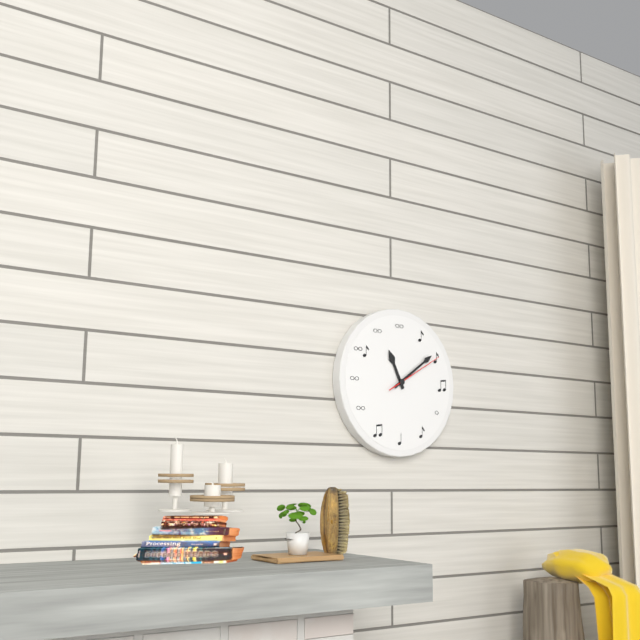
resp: 11,09,10
